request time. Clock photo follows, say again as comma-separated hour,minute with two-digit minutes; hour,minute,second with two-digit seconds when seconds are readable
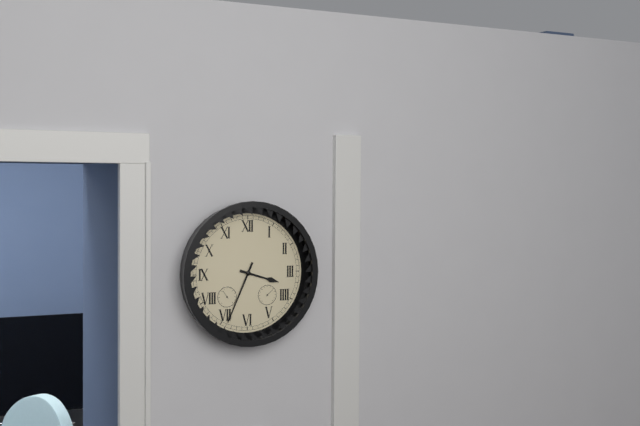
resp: 3,34
